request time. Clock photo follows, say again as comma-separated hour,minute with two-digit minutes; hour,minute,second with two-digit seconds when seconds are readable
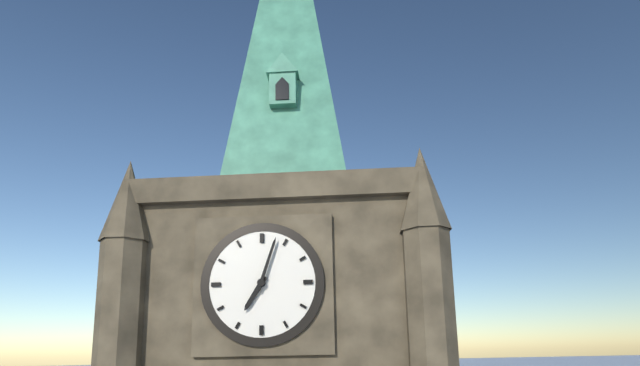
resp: 7,03
